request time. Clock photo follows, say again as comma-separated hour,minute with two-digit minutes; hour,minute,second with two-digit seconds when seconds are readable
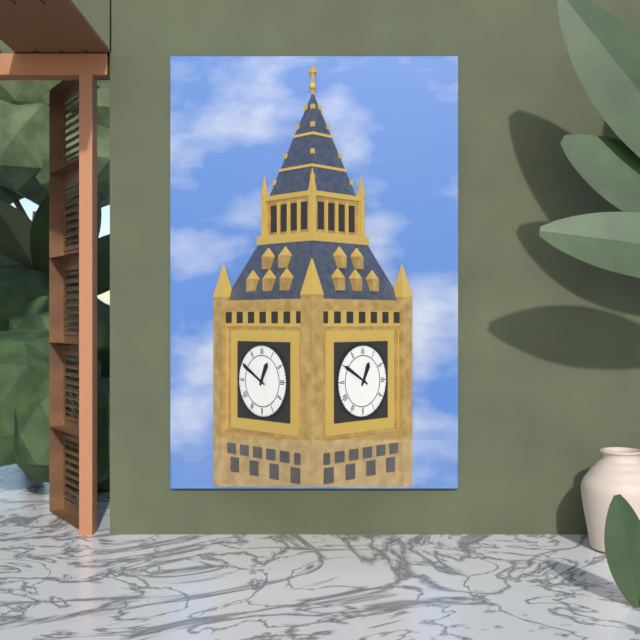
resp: 12,50
